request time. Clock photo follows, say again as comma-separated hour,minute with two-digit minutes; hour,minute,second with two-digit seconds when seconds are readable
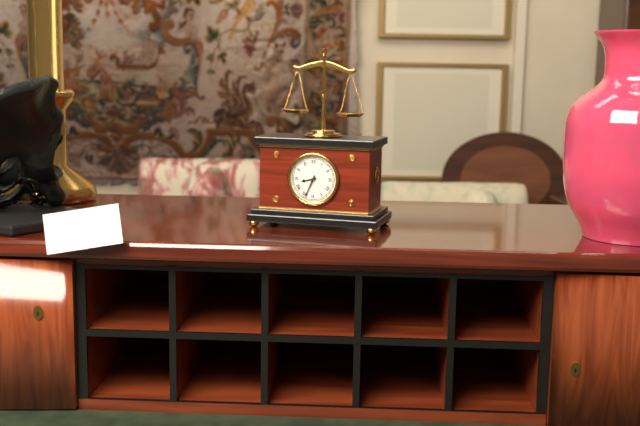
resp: 8,34
